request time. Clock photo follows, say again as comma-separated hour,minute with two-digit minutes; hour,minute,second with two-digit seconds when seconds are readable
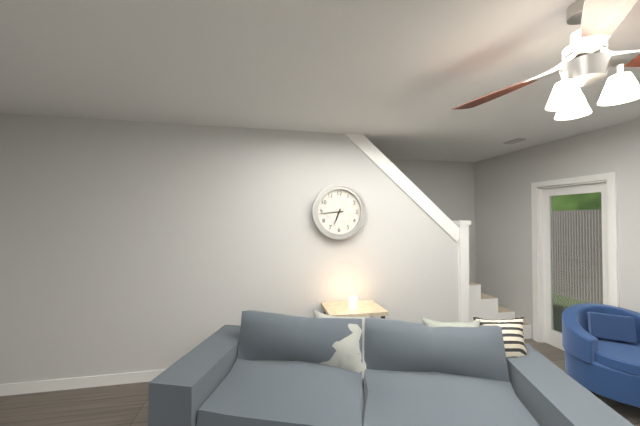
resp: 6,44
